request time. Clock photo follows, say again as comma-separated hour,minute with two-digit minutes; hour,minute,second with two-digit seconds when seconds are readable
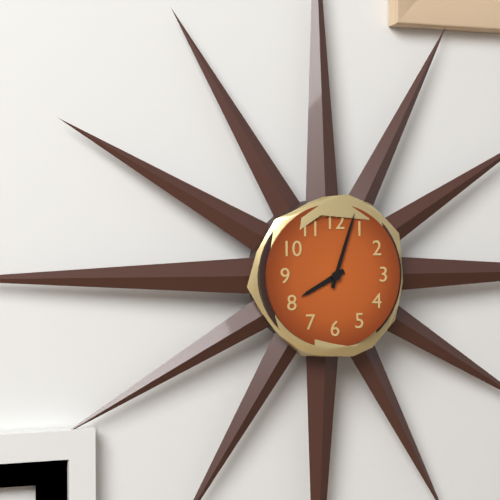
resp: 8,03
